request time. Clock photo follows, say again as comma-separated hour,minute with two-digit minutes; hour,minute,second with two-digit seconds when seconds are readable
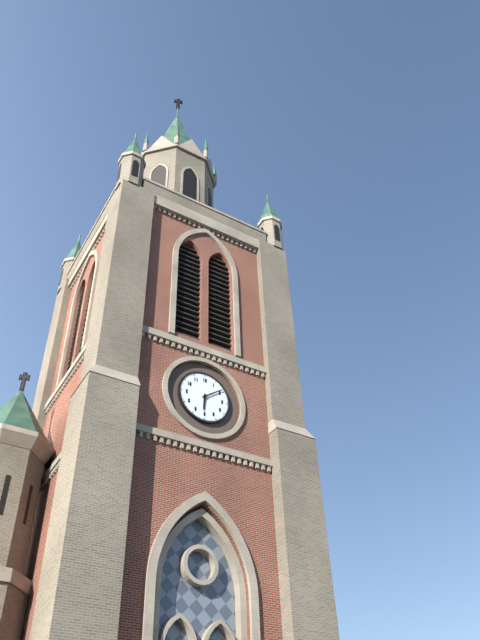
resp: 6,09
